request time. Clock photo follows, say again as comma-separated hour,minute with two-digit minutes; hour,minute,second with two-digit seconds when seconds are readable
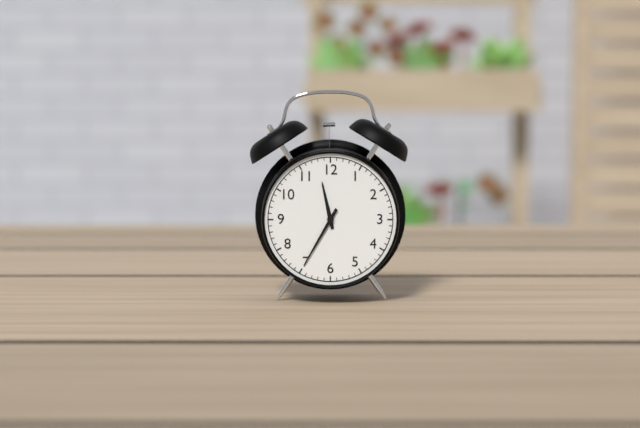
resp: 11,35
